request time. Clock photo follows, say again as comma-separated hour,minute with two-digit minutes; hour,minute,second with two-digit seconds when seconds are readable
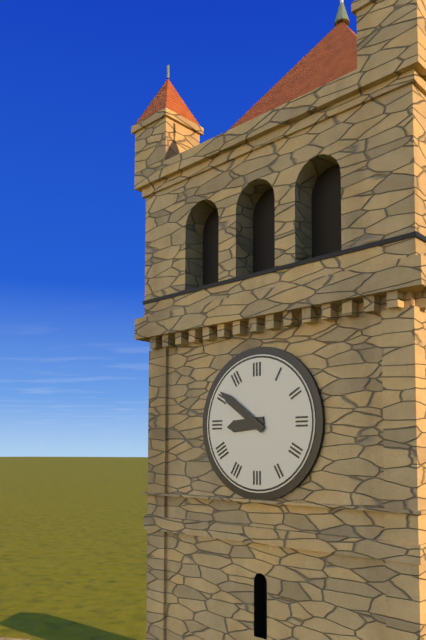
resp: 8,51
